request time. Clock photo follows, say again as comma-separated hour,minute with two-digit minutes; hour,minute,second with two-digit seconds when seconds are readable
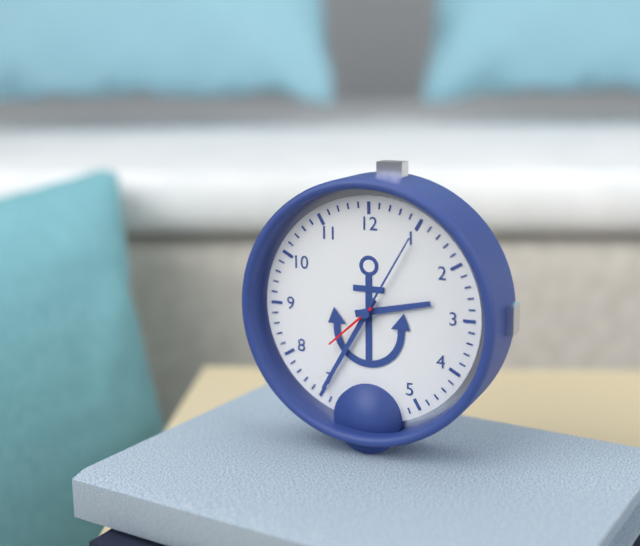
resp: 2,35,38
